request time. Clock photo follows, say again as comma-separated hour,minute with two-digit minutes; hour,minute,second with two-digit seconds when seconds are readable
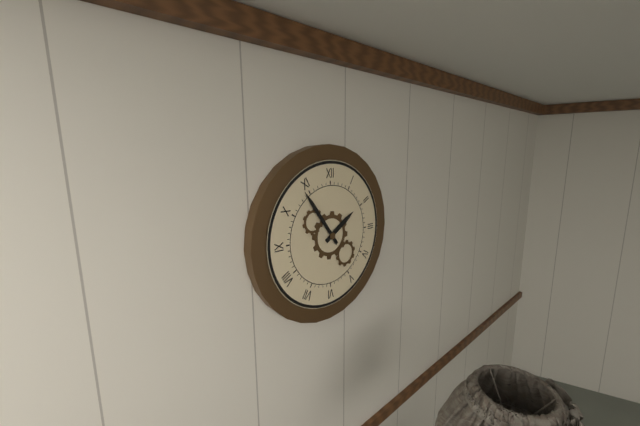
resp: 1,54
